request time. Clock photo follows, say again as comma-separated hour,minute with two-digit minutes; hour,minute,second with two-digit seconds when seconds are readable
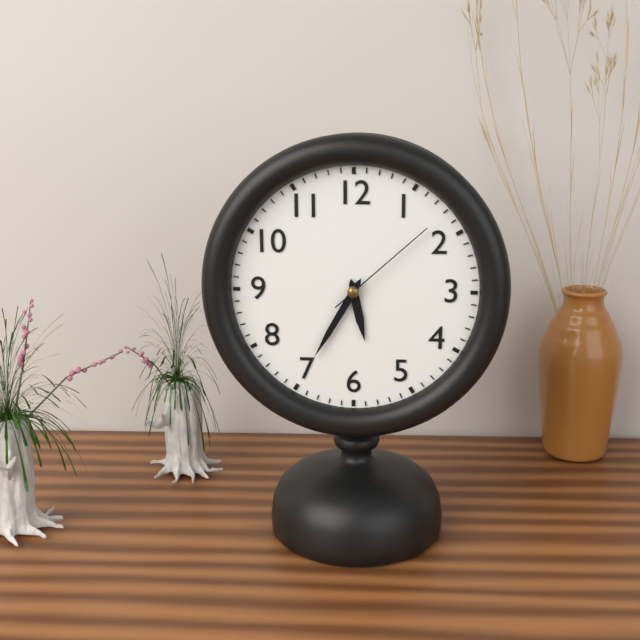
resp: 5,35,08
